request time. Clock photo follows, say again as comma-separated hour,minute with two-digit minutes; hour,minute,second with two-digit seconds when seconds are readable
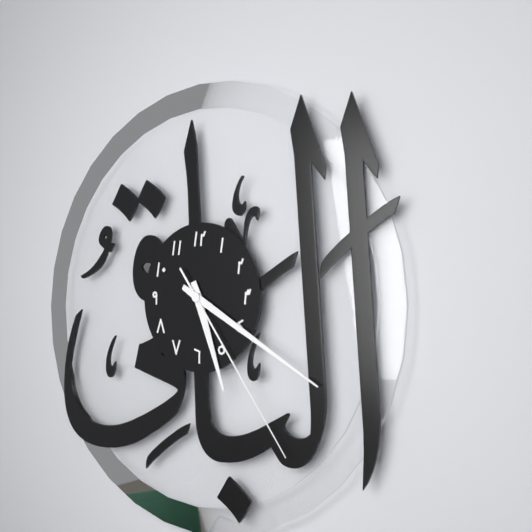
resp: 5,20,24
